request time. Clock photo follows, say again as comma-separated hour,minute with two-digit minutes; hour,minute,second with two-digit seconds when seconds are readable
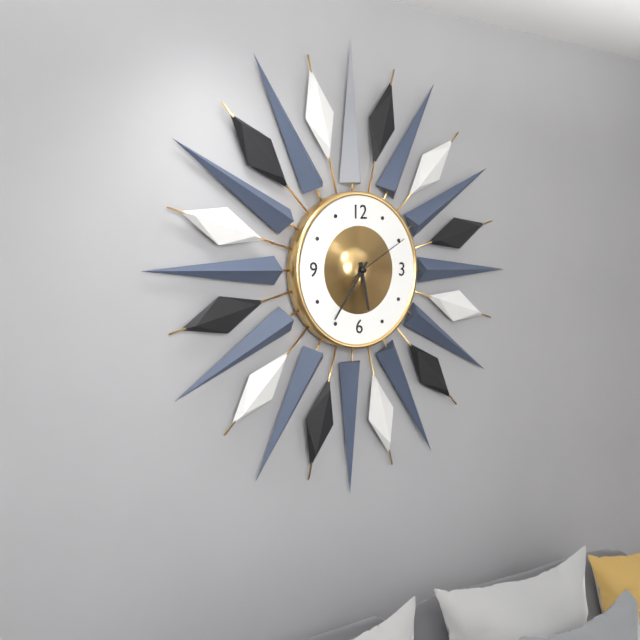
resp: 5,36,10
